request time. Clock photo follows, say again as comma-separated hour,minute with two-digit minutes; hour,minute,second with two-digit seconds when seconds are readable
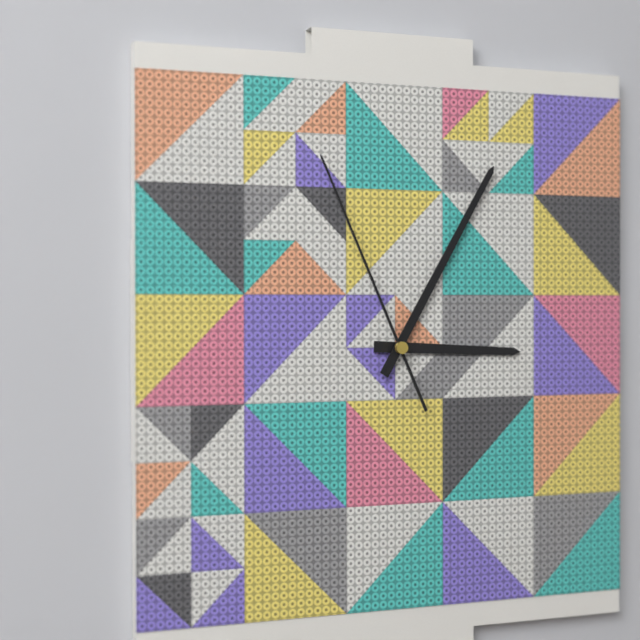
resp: 3,05,56
